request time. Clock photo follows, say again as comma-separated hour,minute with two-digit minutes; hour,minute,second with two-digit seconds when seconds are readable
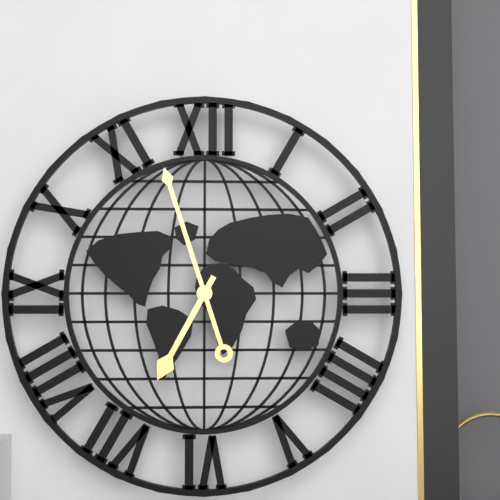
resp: 6,57
